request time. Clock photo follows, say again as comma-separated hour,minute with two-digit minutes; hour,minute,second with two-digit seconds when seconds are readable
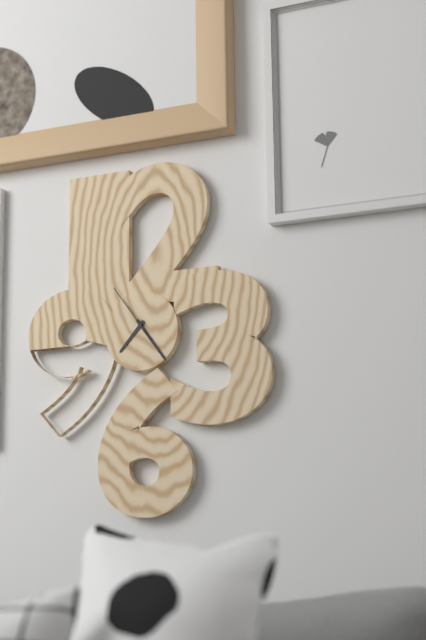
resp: 7,24,54
